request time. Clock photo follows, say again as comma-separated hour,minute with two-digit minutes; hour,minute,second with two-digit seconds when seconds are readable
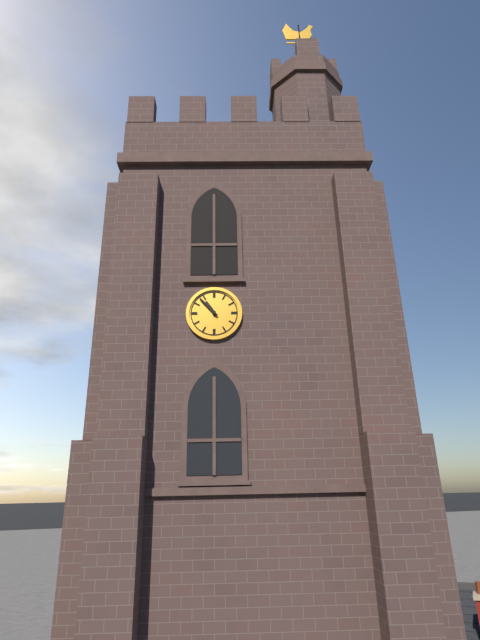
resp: 10,53
